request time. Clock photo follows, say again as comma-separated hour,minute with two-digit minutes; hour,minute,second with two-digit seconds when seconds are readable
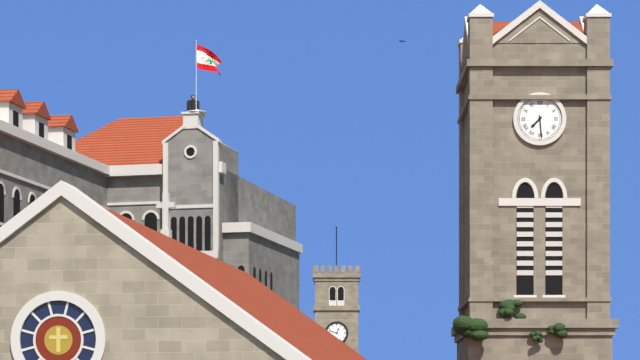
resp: 7,29
